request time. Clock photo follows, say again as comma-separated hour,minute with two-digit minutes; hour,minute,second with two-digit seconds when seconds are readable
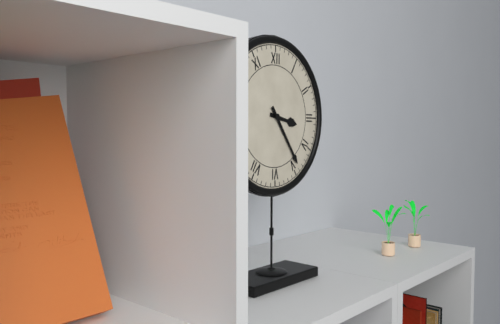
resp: 3,24
